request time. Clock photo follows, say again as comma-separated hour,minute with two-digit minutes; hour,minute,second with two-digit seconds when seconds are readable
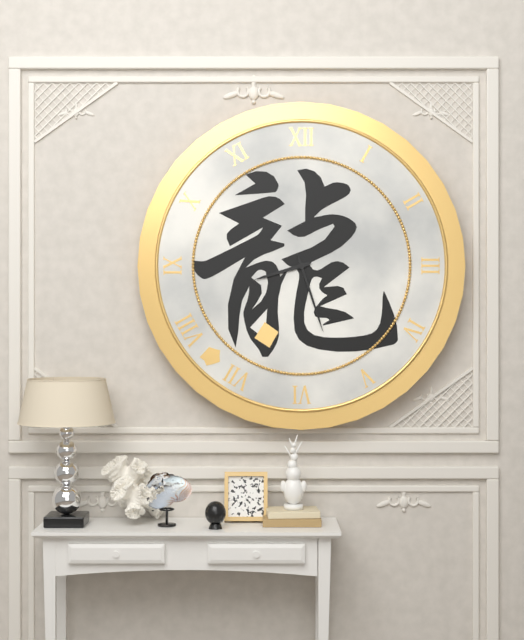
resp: 8,27
